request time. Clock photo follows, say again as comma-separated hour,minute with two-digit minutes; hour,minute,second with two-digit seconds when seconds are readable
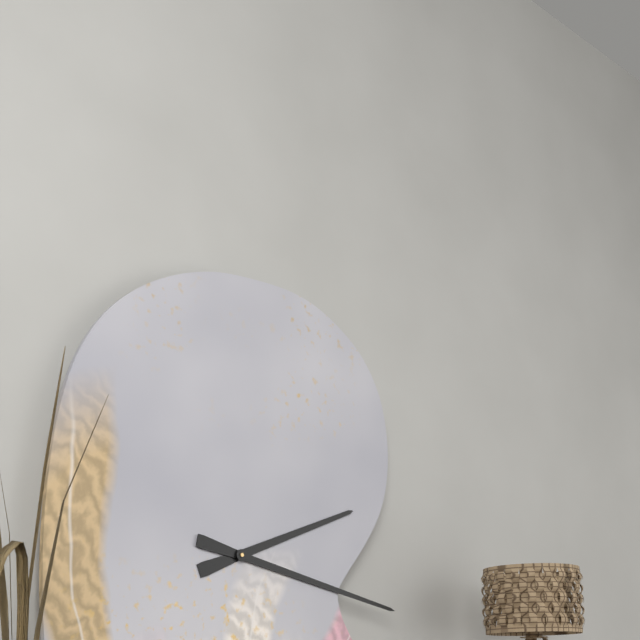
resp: 2,17
